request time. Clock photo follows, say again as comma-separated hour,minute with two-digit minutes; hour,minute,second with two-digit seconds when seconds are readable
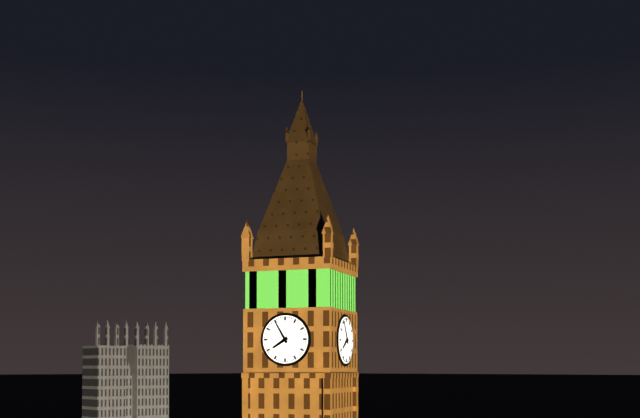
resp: 7,55
